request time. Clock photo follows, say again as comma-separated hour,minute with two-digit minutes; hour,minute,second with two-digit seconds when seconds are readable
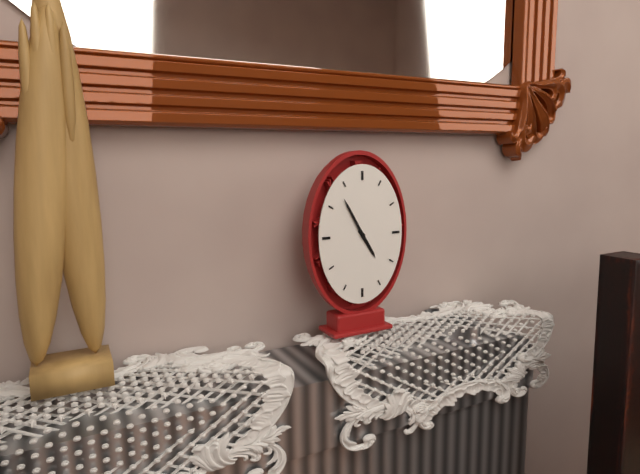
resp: 4,55
